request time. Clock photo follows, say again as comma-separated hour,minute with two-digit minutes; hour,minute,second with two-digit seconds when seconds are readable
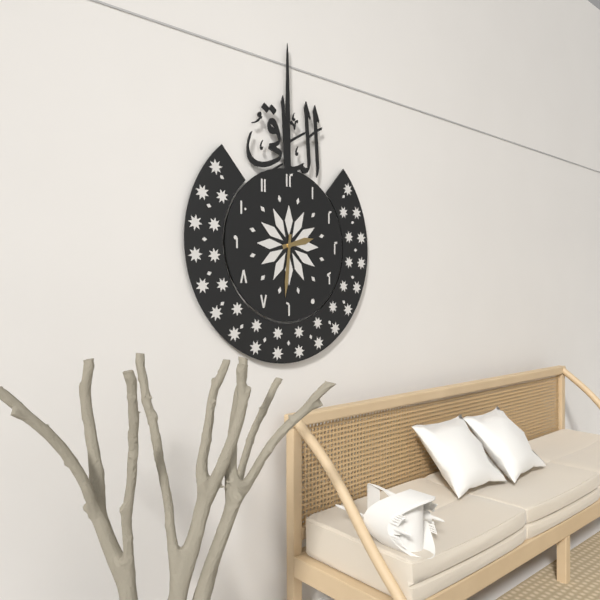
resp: 2,31
